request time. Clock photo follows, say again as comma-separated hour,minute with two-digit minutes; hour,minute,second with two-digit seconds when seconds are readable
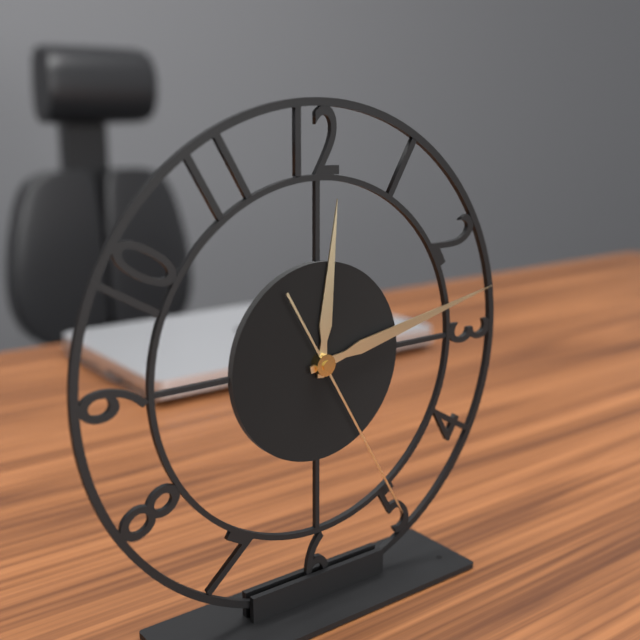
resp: 12,13,25
